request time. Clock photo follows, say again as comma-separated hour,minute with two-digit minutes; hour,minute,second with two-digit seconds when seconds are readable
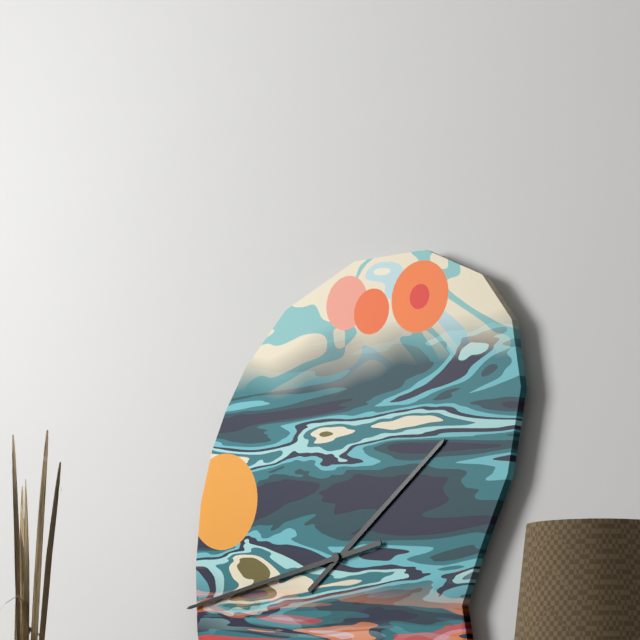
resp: 1,43
